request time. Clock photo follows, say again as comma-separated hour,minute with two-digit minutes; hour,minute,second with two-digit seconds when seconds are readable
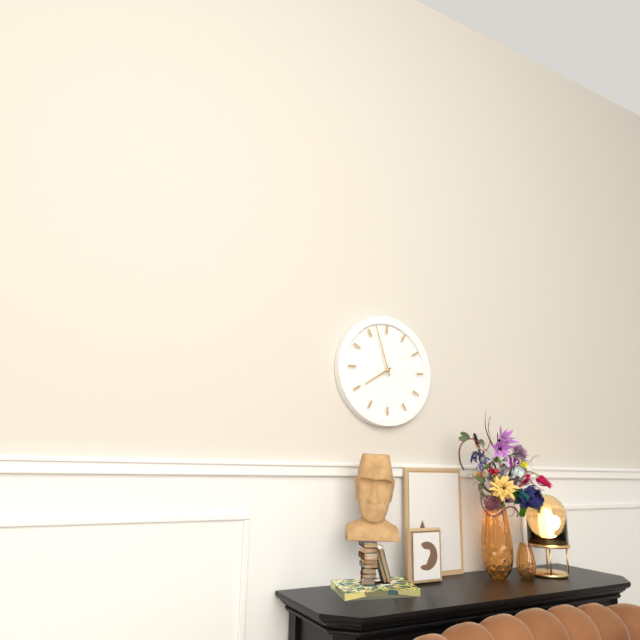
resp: 7,57
